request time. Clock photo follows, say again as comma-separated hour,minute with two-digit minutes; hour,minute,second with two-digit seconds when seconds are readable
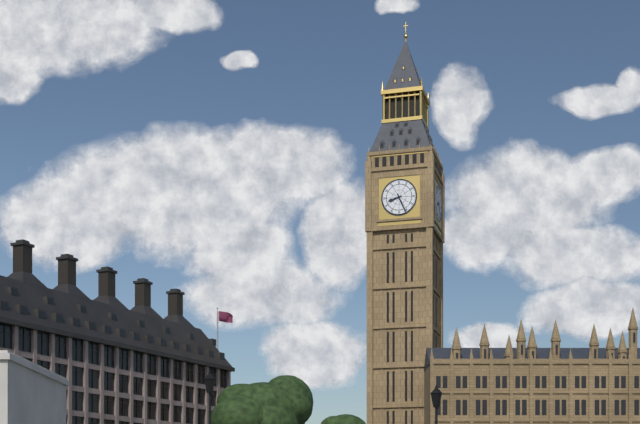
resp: 8,26
